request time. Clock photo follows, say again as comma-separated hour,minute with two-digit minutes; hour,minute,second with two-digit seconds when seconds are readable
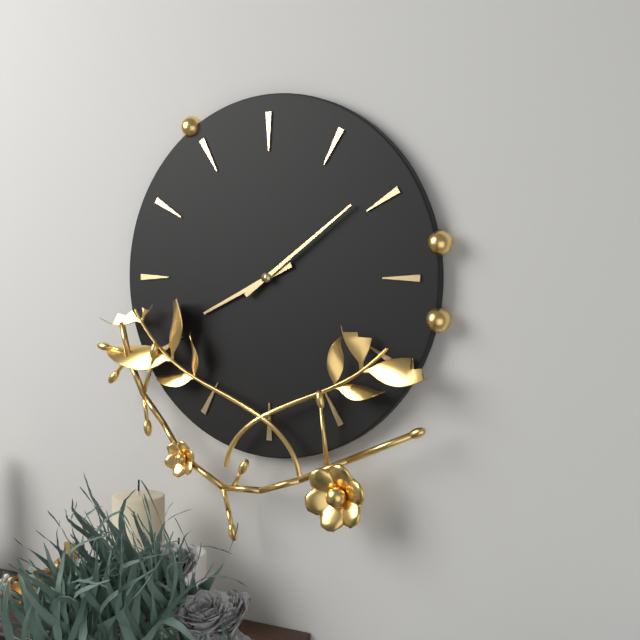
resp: 8,09
